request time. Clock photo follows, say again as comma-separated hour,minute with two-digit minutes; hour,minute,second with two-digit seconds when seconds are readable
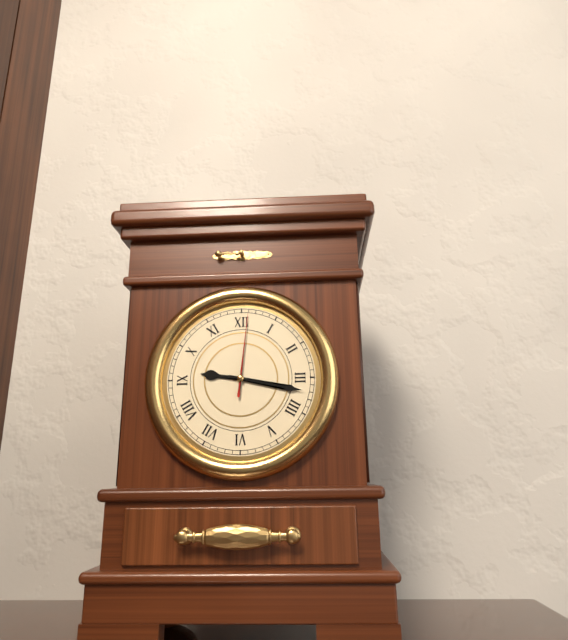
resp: 9,17,01
